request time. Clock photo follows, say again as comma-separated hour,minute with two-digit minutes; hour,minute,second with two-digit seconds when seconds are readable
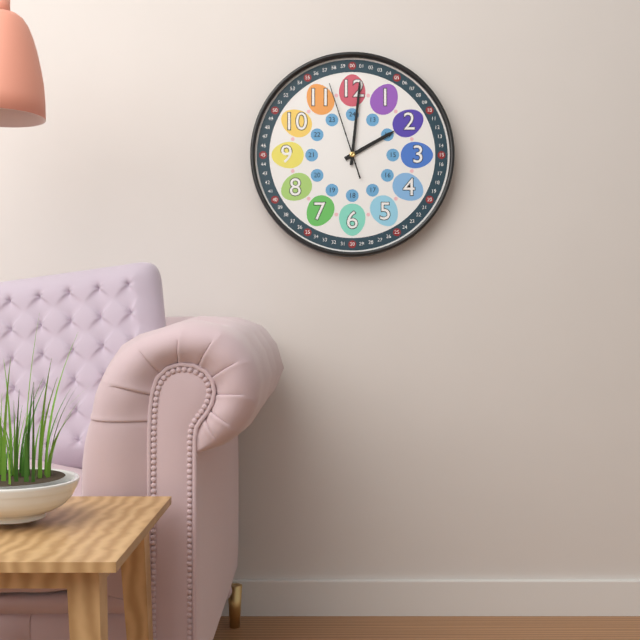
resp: 2,01,57
